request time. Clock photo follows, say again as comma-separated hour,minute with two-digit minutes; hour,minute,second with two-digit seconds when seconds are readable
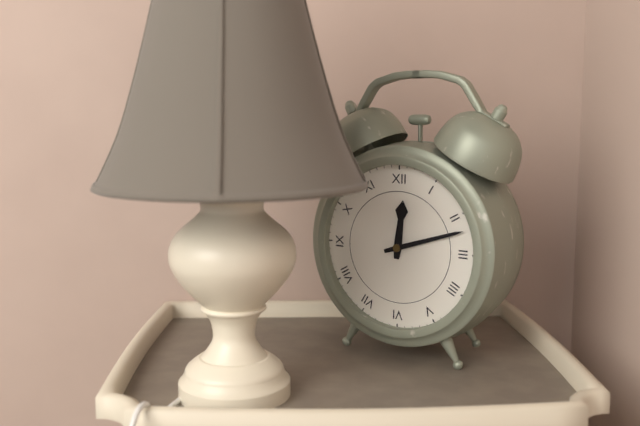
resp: 12,12
